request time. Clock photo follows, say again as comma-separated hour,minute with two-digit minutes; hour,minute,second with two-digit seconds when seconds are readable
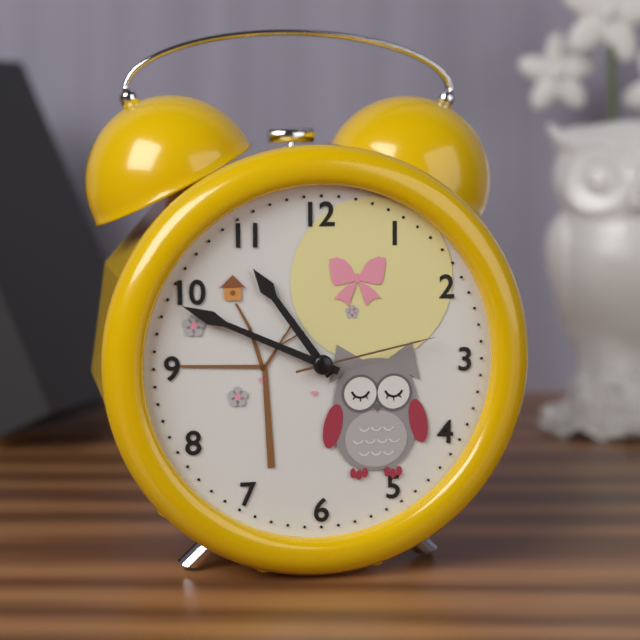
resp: 10,49,13
